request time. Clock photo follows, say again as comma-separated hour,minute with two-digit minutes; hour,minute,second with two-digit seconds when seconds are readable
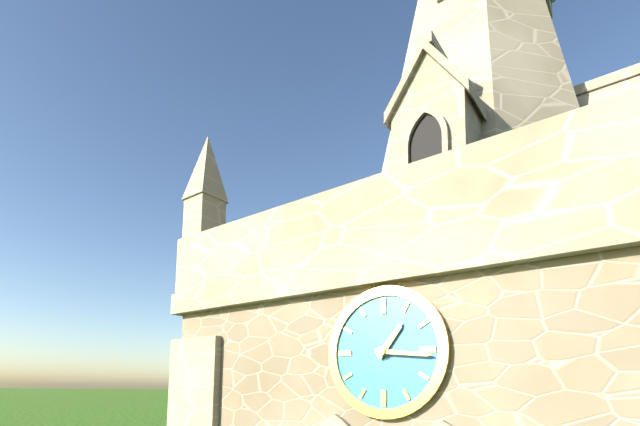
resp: 1,16
